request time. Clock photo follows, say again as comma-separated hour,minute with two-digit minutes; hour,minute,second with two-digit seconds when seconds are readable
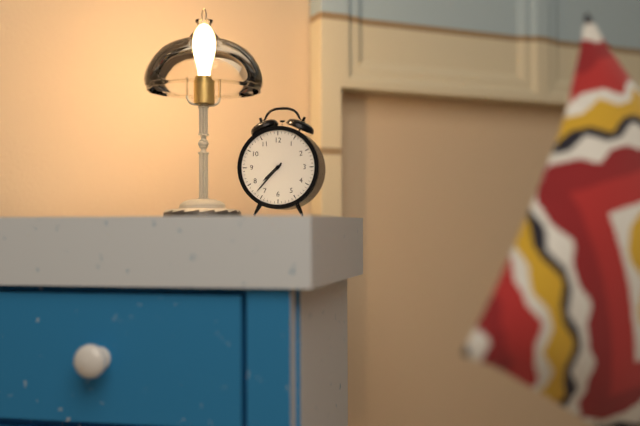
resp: 7,37
